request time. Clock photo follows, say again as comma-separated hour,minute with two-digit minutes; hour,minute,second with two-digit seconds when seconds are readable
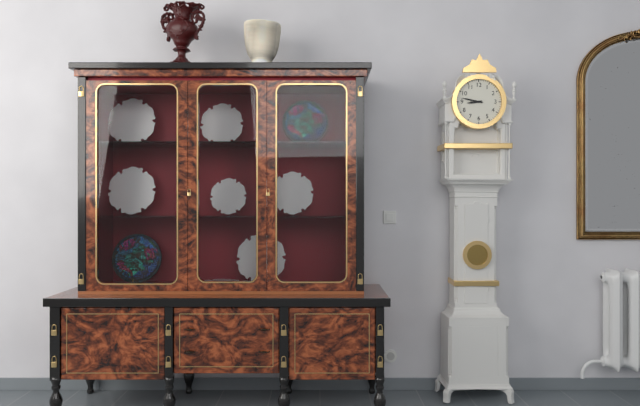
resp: 8,47
